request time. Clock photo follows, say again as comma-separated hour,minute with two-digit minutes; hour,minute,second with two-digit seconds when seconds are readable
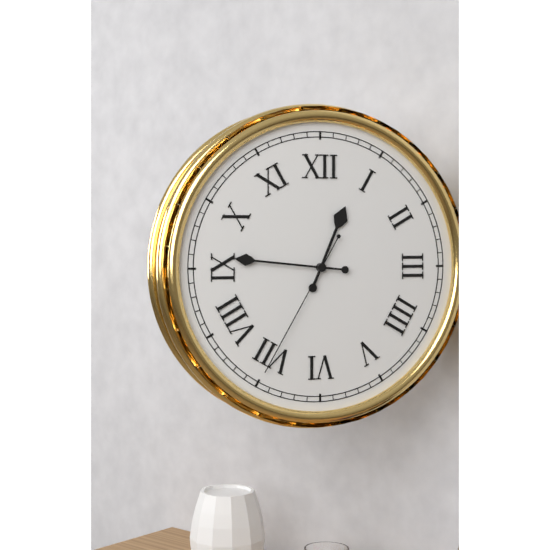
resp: 12,46,35
